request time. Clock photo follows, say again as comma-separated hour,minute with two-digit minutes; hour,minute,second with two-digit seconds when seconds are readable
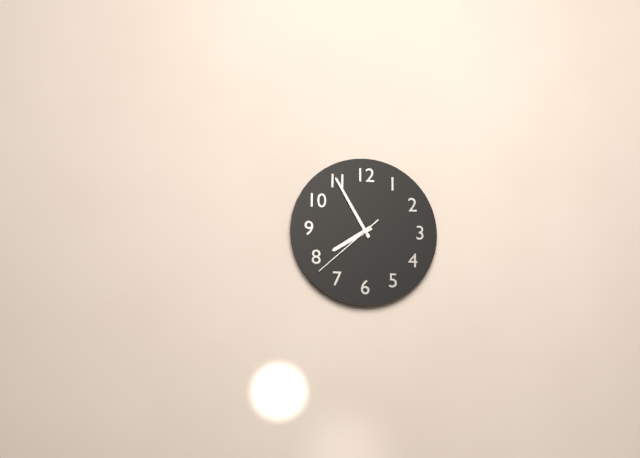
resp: 7,55,38
